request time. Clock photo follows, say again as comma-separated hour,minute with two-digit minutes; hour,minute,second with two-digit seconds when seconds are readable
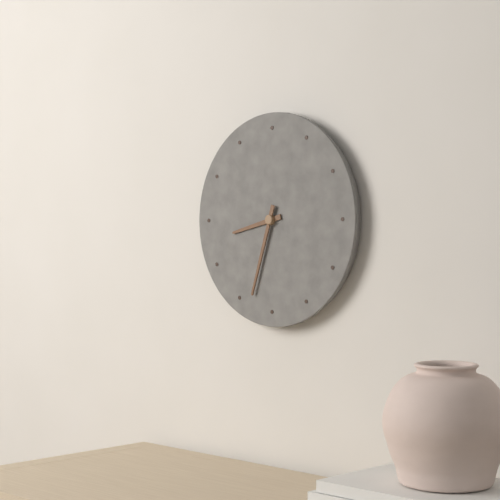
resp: 8,33
